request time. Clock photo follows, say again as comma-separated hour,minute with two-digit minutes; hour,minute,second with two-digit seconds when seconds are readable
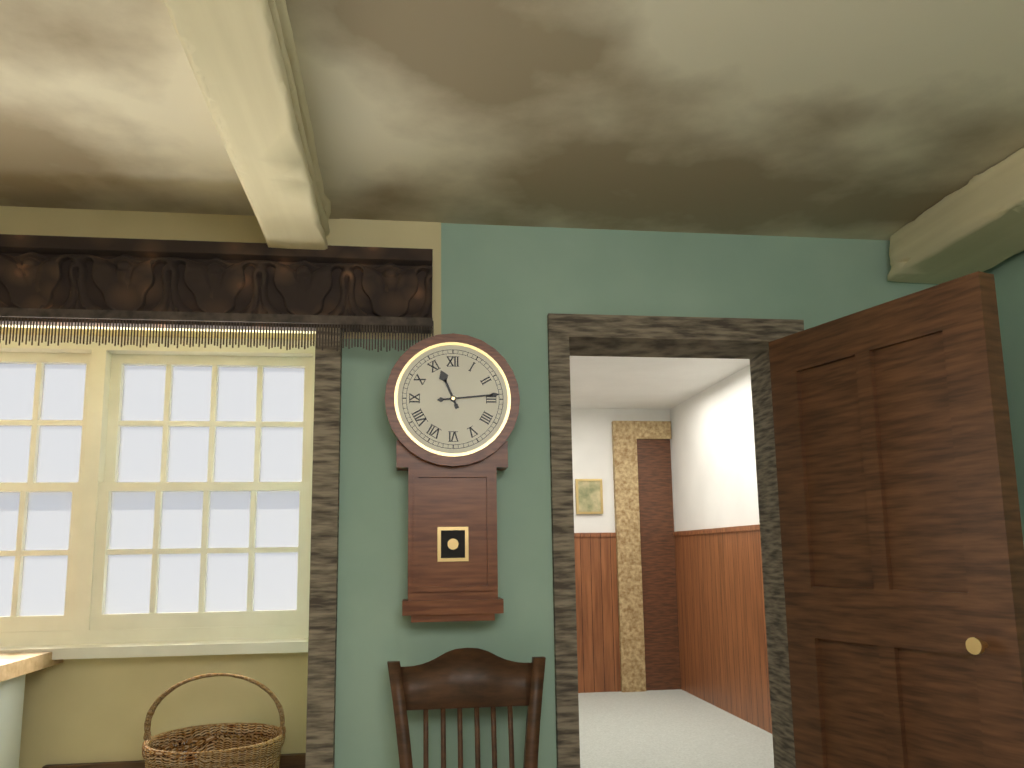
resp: 11,14
